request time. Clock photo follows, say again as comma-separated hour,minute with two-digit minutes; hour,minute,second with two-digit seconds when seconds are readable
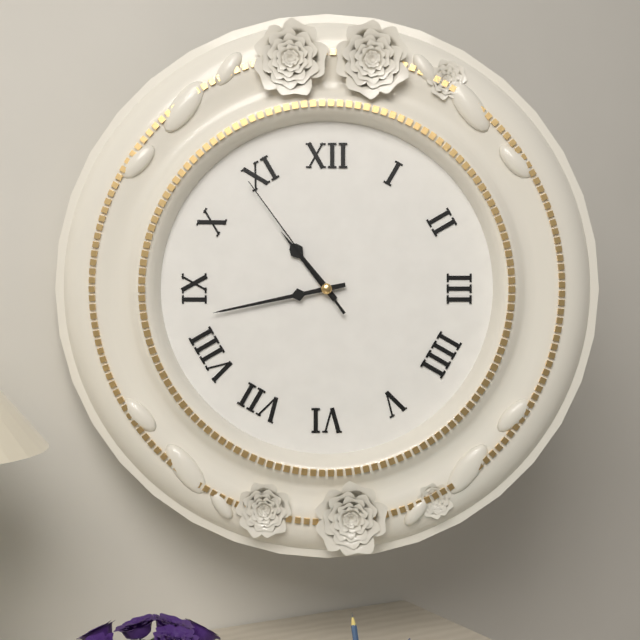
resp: 10,43,54
